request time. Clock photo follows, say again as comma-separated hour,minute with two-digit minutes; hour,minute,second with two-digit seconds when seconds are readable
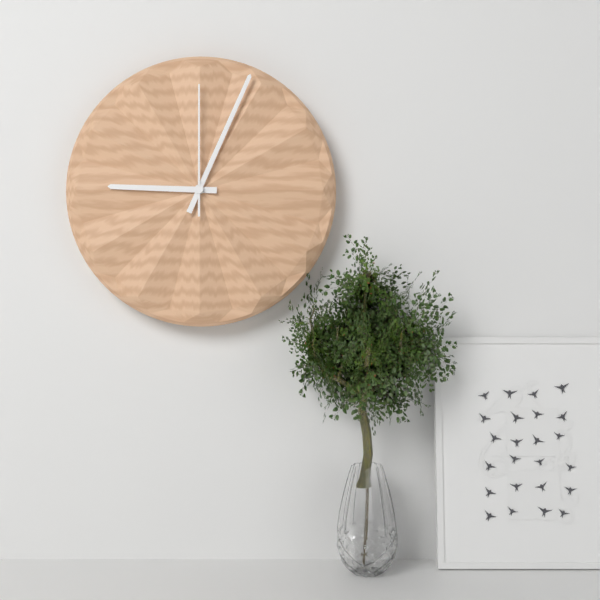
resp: 9,04,00
